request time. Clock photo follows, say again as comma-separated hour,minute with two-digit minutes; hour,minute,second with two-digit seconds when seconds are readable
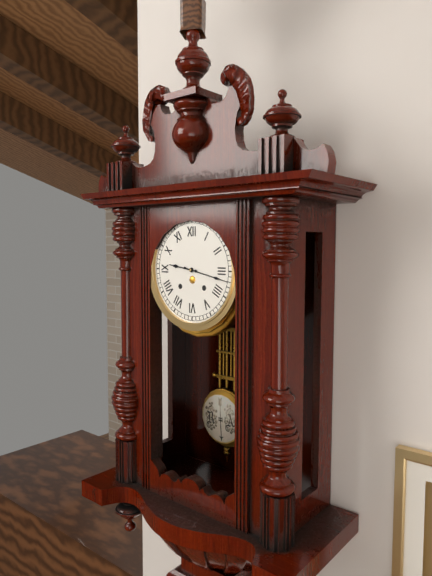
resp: 9,17
